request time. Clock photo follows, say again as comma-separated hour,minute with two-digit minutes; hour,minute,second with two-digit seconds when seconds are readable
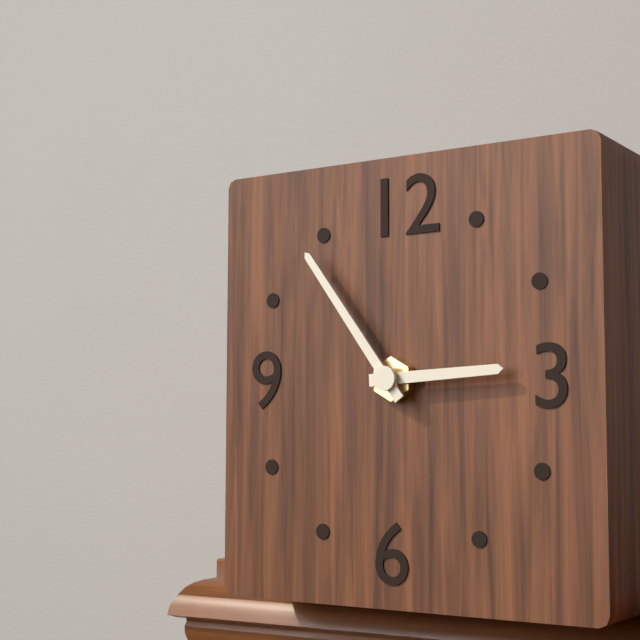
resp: 2,54
